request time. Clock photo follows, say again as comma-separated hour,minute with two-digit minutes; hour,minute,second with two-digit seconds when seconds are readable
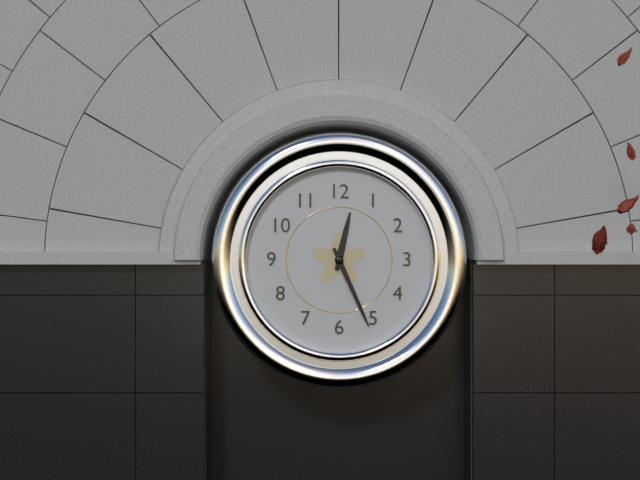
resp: 12,26
